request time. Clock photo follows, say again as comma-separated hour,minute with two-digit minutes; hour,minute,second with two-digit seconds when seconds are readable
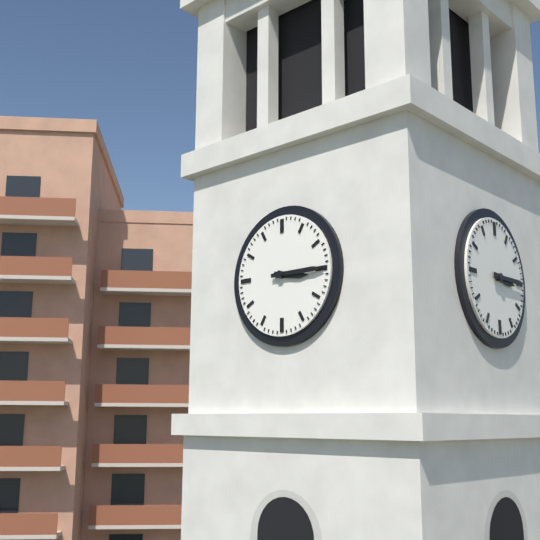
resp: 3,15
